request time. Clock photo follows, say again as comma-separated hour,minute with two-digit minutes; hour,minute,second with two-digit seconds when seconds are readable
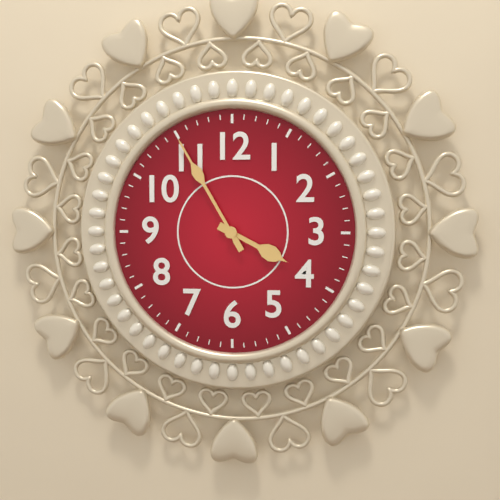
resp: 3,55
